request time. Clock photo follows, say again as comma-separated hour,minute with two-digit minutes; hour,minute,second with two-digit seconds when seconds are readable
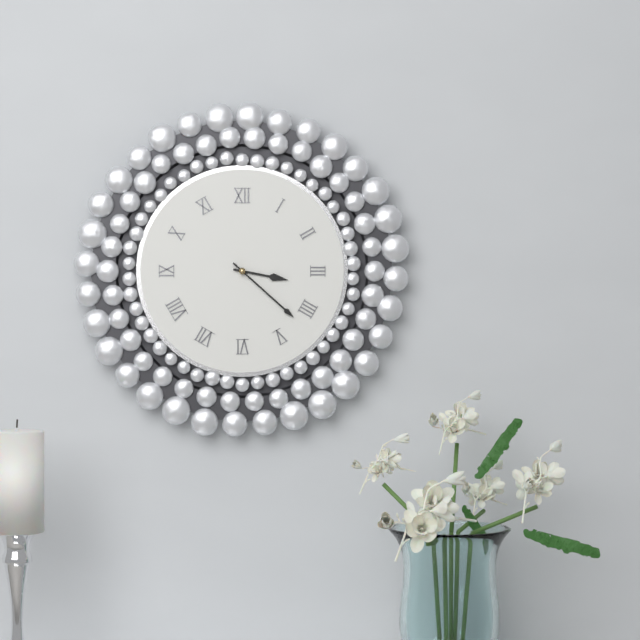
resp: 3,22
